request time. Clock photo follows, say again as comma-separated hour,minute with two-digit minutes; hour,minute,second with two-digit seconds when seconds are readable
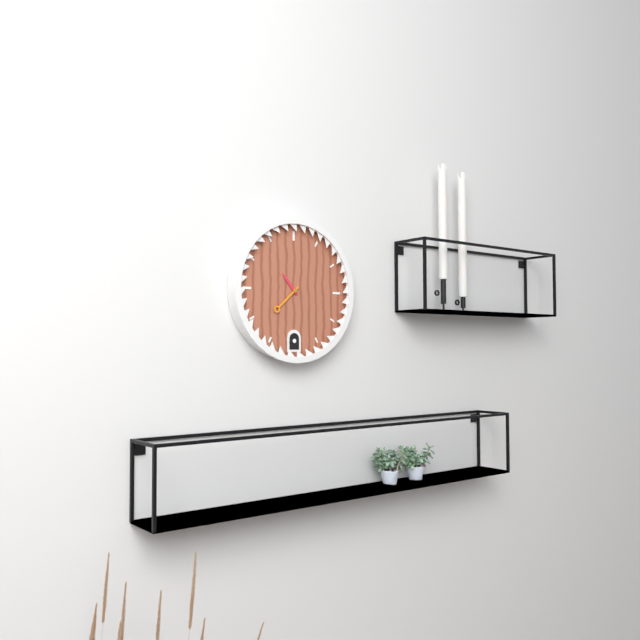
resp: 10,38
